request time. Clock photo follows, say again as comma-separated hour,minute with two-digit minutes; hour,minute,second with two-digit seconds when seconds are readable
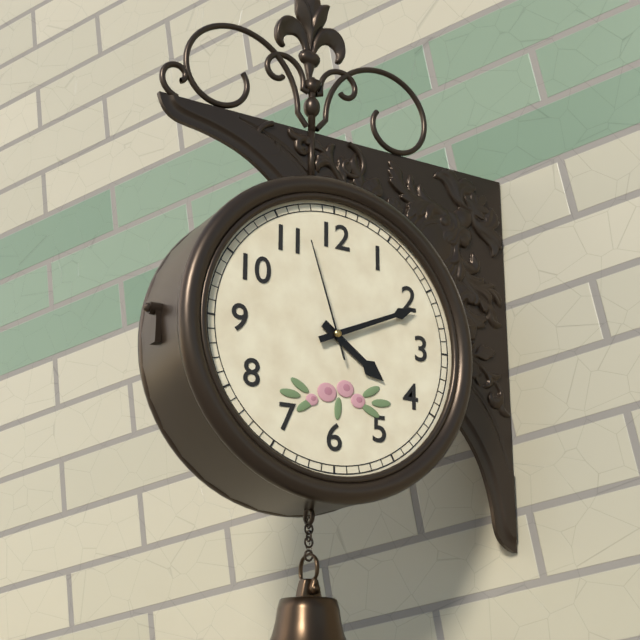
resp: 4,11,57
